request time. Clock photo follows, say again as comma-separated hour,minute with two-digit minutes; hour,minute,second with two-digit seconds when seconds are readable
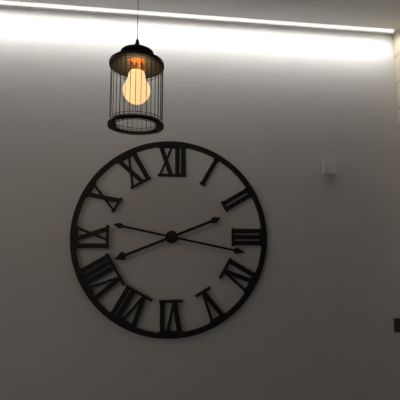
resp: 8,17
